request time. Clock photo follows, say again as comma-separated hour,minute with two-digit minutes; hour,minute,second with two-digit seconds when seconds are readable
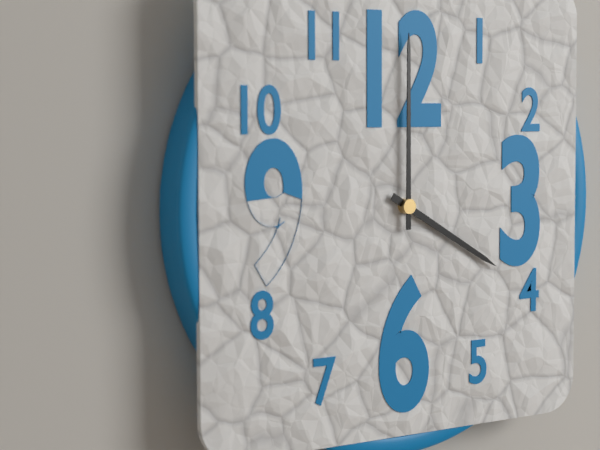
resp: 4,00
